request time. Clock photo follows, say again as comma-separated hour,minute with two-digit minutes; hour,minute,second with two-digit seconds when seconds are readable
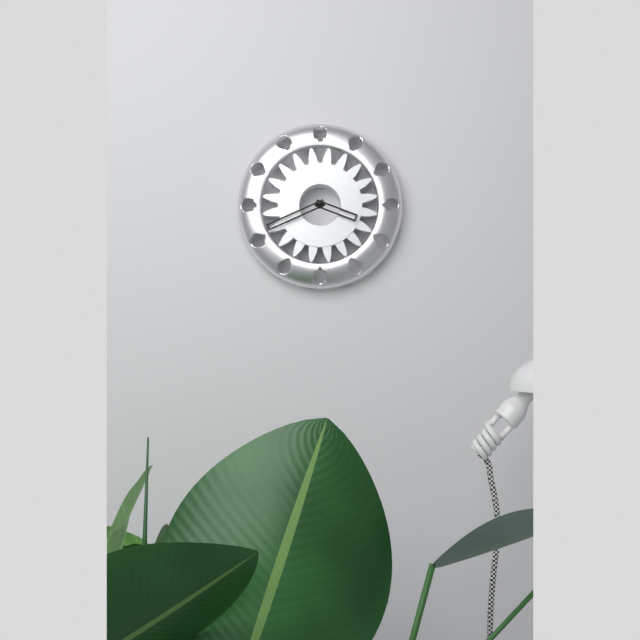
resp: 3,41
